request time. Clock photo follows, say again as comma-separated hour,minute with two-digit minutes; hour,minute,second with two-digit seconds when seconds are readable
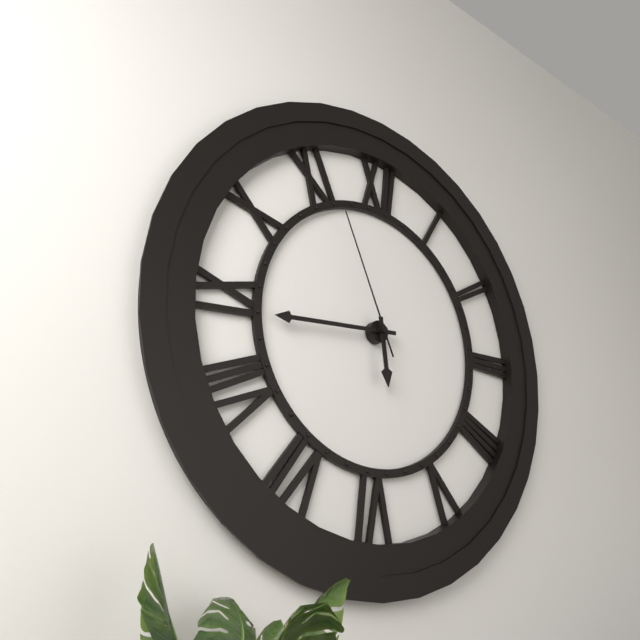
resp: 5,44,56
